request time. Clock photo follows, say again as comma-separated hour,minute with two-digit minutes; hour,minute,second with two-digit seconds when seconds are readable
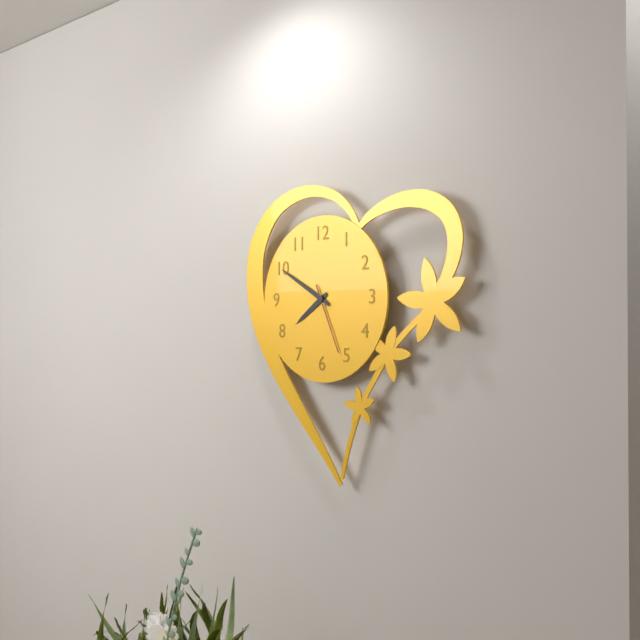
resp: 7,50,26
